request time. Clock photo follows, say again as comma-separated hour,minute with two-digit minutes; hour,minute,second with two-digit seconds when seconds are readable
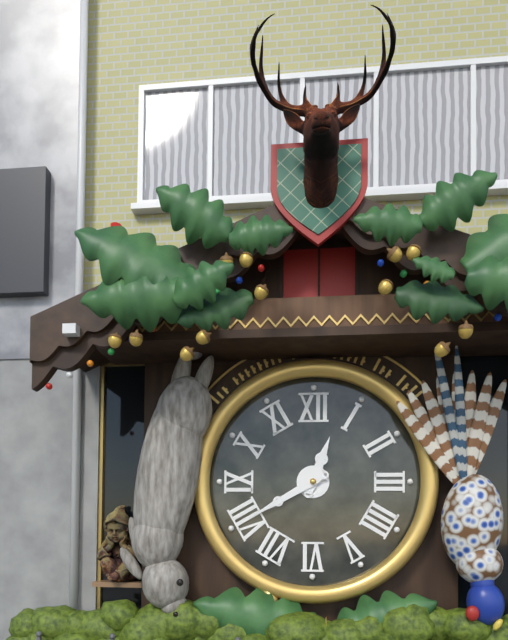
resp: 12,40
